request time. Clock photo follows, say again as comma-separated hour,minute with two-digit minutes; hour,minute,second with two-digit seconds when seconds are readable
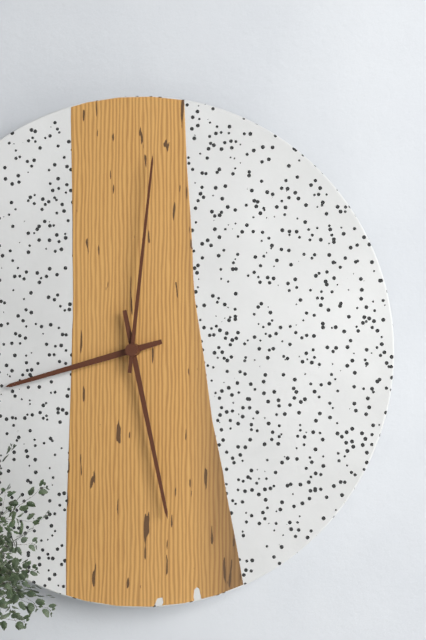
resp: 8,28,01
